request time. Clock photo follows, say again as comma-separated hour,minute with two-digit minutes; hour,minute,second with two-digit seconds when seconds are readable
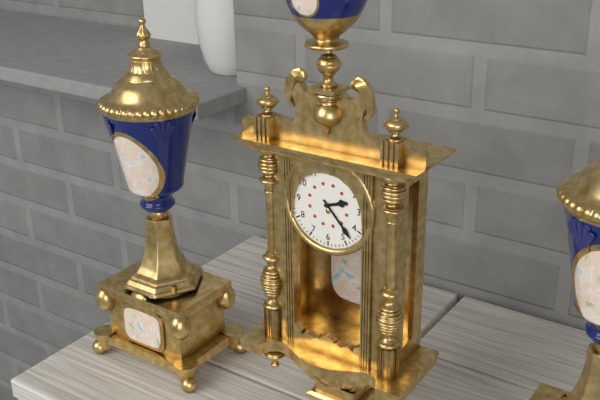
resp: 2,23
